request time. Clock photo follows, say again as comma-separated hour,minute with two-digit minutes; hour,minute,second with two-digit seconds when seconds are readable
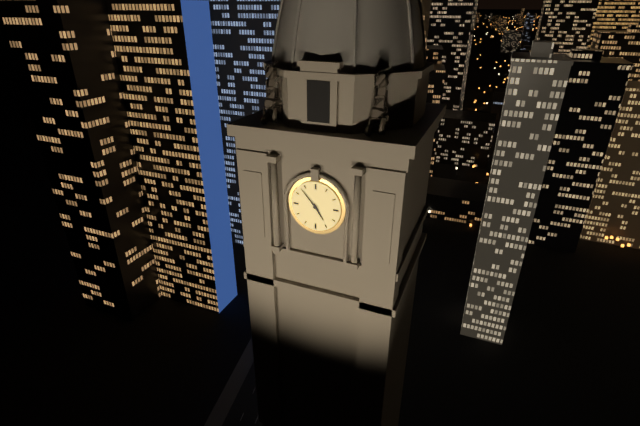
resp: 4,53
